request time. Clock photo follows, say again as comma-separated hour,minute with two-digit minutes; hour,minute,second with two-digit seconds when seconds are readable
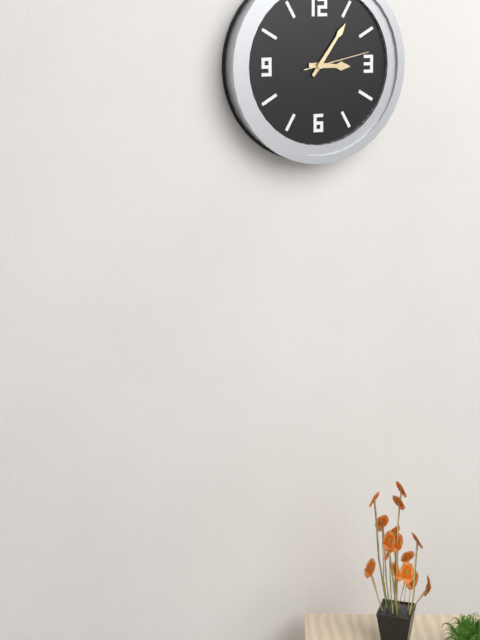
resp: 3,06,13
